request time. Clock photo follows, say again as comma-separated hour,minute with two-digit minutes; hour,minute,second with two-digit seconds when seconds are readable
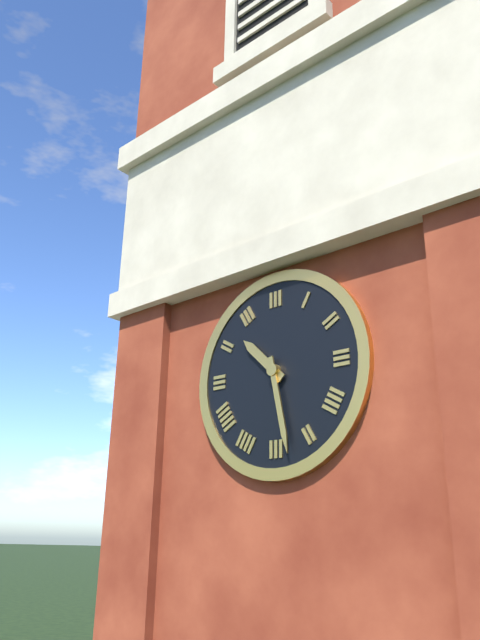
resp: 10,28
